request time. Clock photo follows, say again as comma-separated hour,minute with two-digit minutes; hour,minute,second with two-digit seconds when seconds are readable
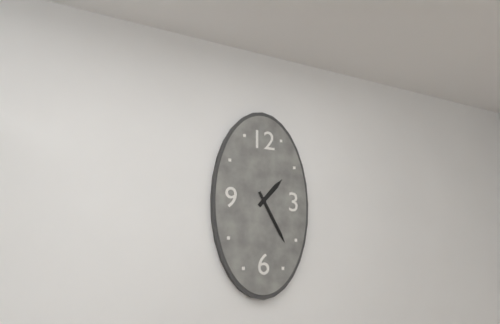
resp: 1,25
